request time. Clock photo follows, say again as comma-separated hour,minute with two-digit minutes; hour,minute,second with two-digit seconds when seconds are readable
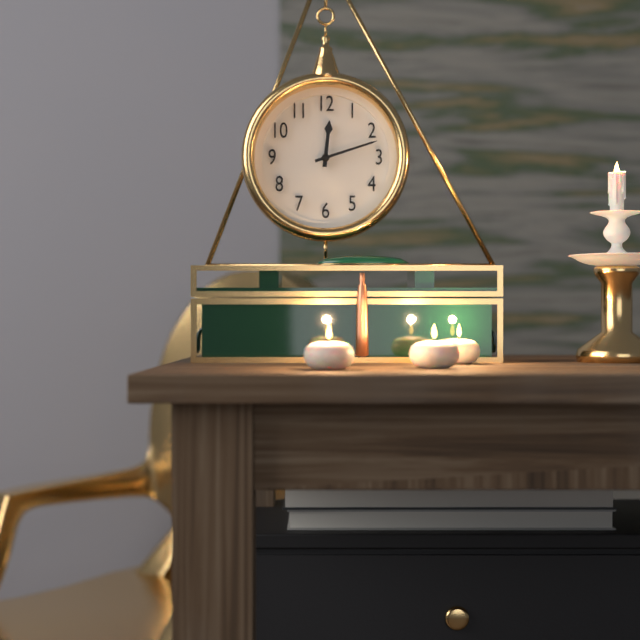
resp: 12,12
